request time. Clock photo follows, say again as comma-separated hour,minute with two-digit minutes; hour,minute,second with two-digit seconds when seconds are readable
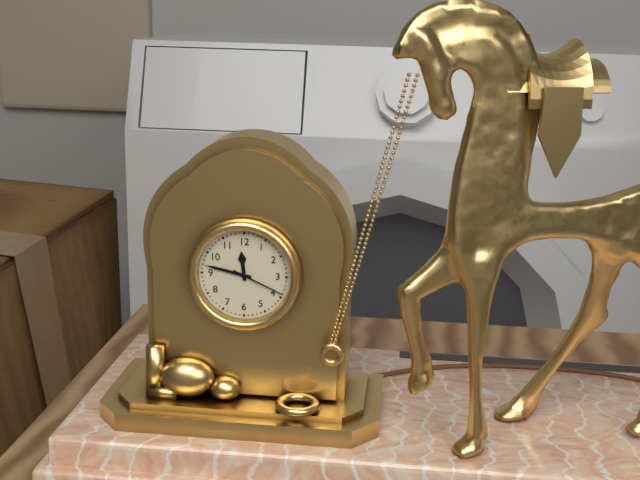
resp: 11,47,19
